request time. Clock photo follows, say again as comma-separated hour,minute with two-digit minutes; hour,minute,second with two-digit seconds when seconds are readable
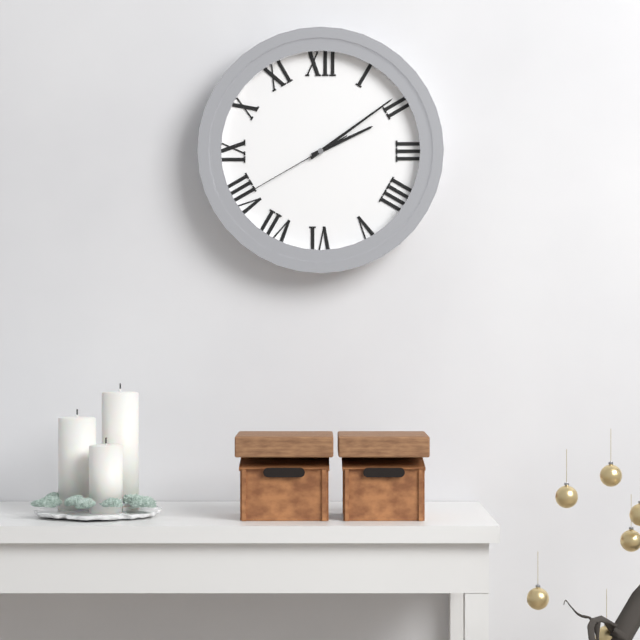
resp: 2,09,40
